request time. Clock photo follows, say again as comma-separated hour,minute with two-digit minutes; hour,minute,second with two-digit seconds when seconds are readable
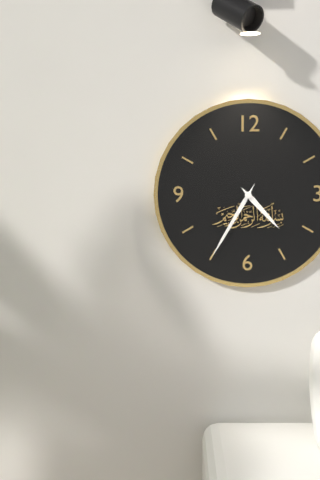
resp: 4,35
